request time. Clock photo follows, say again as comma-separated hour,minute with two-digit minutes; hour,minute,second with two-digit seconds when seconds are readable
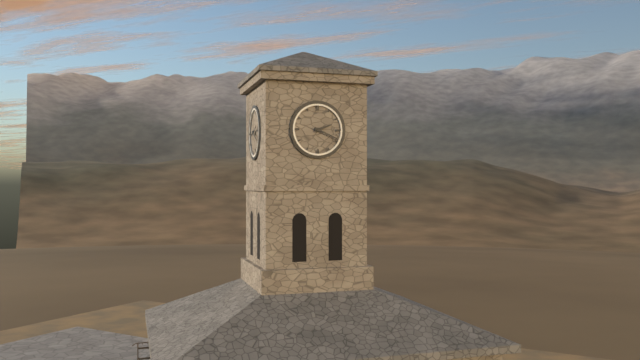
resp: 2,19
